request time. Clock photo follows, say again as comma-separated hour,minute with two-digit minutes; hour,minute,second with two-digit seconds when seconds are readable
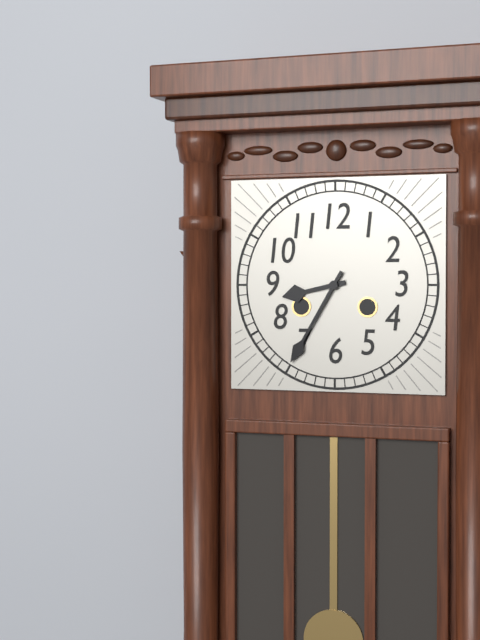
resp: 8,35
